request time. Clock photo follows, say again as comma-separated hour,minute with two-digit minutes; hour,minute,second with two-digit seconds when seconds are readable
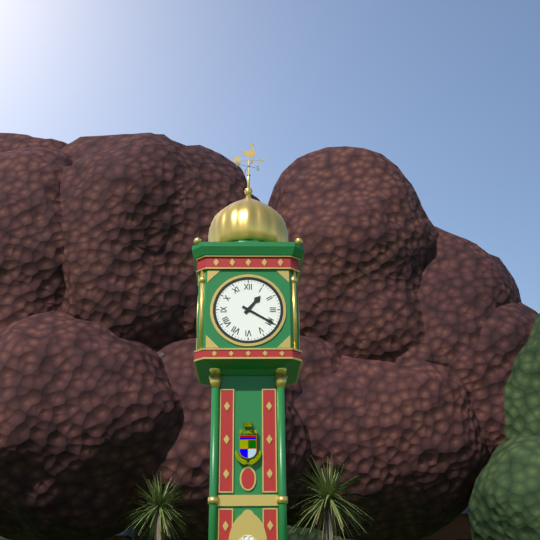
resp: 1,20
